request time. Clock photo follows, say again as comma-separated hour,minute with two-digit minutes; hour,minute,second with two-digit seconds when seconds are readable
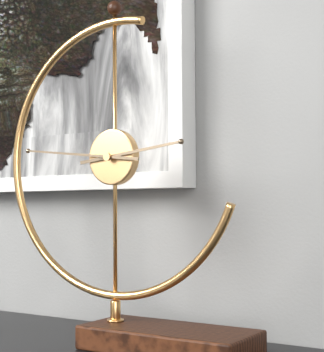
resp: 2,46
